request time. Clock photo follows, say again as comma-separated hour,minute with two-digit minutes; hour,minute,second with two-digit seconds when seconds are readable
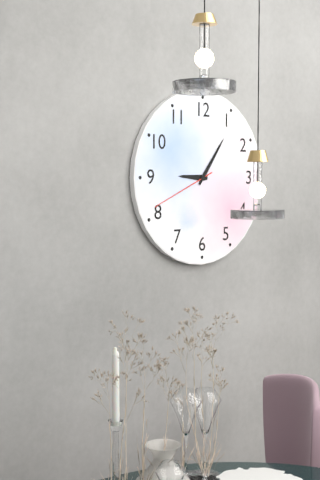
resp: 9,06,41
